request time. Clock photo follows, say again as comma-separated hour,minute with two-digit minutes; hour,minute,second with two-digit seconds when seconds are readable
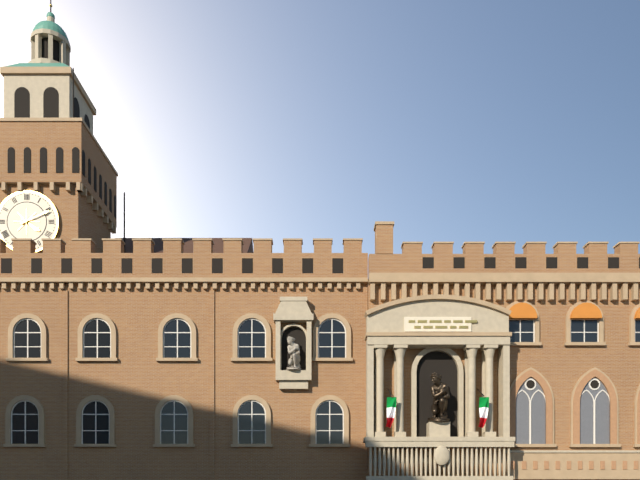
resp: 4,11
